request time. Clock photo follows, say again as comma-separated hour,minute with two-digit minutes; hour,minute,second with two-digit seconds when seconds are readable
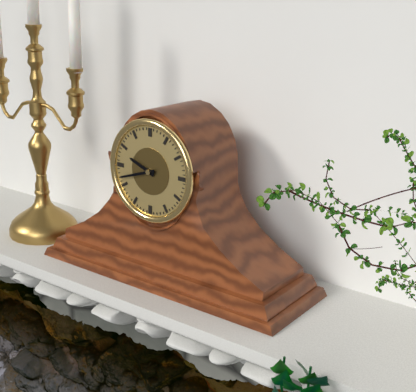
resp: 9,42
